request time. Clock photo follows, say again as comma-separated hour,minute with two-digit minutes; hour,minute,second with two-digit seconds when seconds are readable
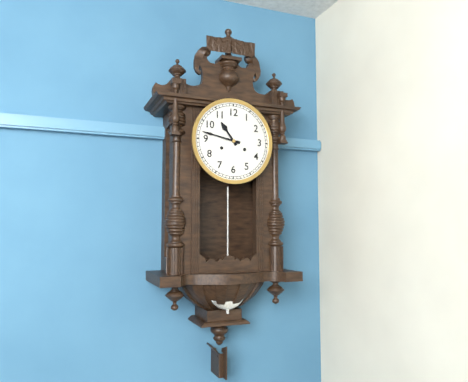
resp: 10,47
